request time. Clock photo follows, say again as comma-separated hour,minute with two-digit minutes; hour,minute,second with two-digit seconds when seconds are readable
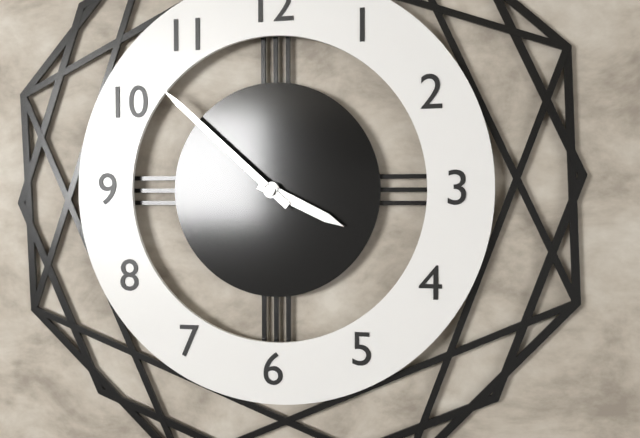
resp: 3,52
